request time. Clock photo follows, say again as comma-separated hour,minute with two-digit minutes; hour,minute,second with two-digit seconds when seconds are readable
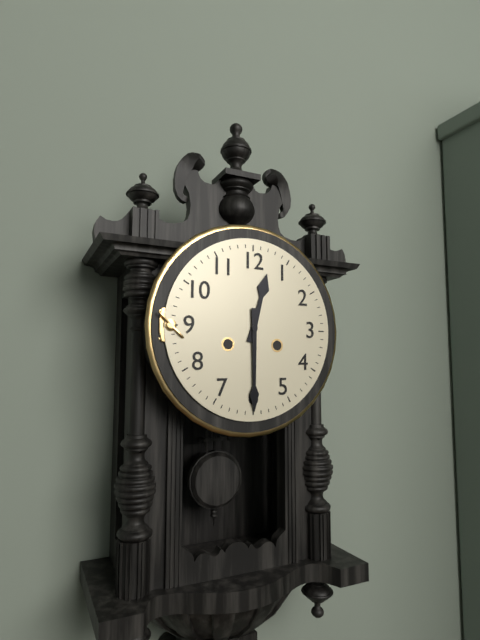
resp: 12,30
